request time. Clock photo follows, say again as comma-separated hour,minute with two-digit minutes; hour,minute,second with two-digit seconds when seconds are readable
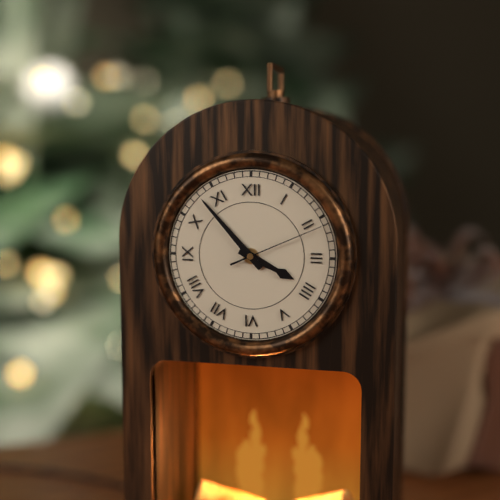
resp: 3,53,11
